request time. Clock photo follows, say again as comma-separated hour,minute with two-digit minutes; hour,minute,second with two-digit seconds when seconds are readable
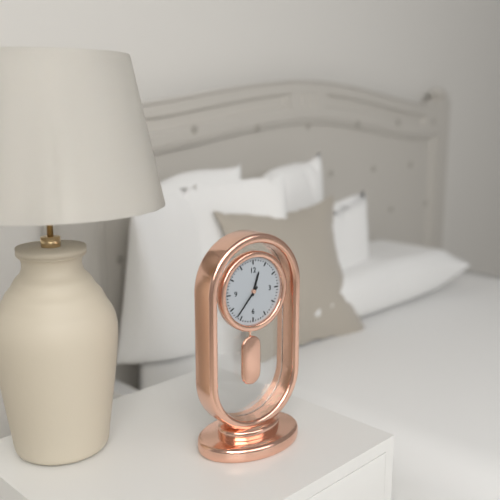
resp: 12,37
